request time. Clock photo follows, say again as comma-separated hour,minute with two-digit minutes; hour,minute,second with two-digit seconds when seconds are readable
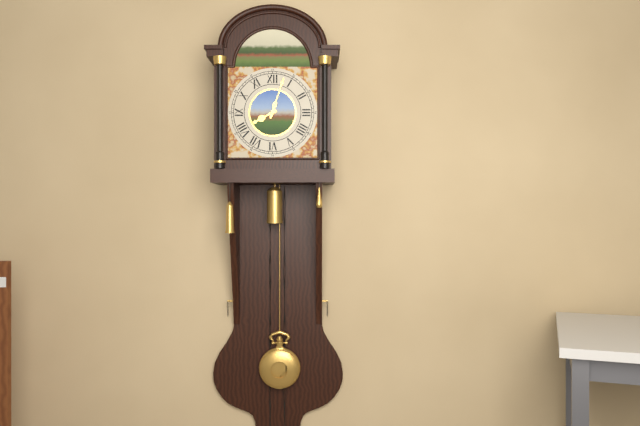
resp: 8,03
